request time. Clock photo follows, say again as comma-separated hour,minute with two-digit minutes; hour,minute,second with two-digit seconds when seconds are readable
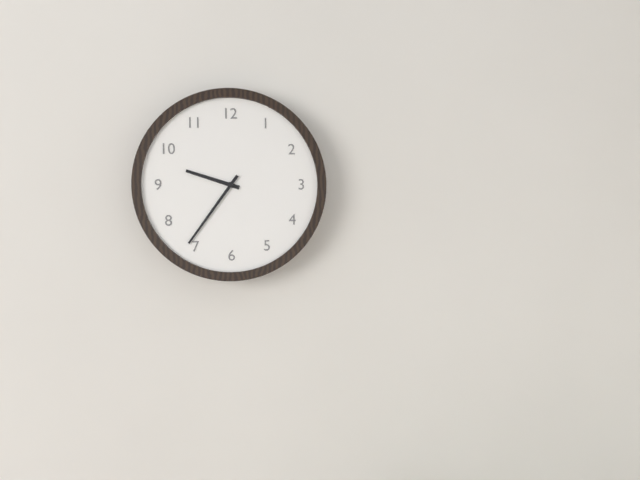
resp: 9,36
